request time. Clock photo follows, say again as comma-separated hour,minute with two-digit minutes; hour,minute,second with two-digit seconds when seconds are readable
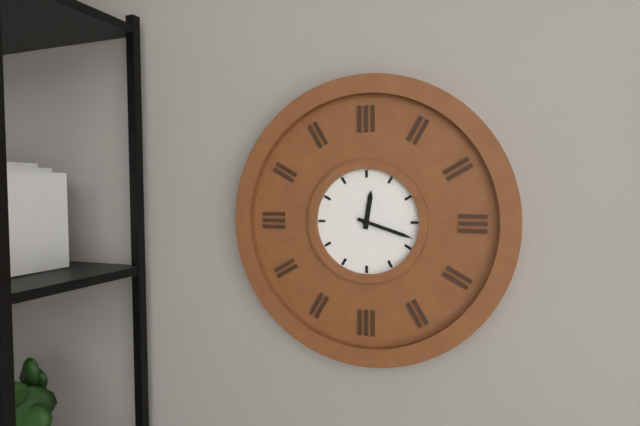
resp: 12,18
